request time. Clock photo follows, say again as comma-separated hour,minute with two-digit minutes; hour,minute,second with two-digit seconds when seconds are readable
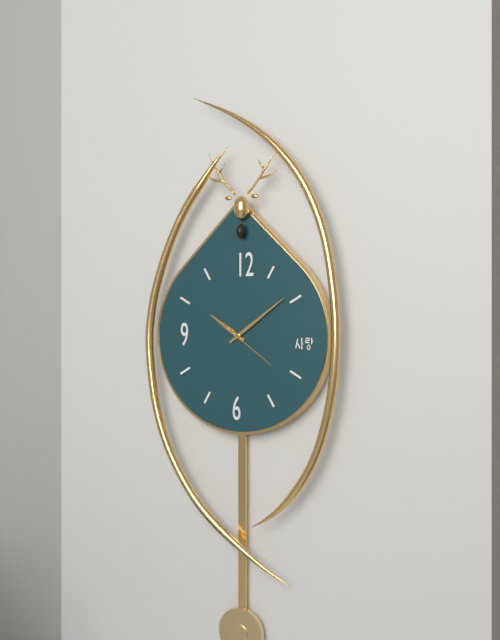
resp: 10,09
